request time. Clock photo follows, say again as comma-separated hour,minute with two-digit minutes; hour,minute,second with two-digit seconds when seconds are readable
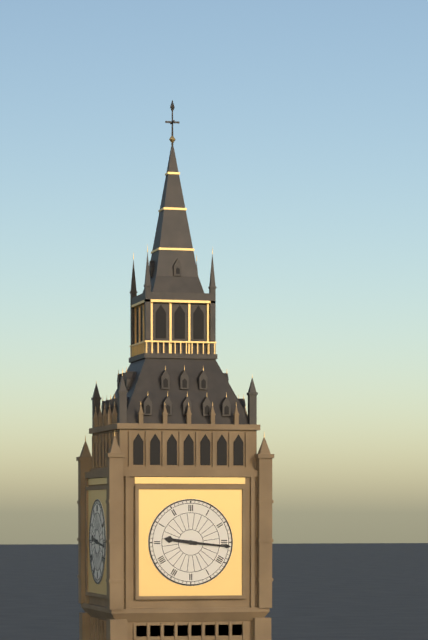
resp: 9,16
